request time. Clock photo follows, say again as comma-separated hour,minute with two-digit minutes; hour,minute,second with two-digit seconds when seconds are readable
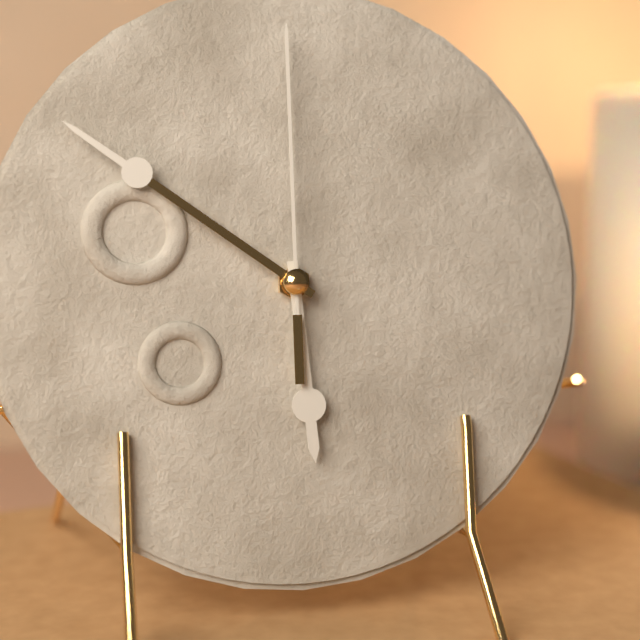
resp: 5,51,00
